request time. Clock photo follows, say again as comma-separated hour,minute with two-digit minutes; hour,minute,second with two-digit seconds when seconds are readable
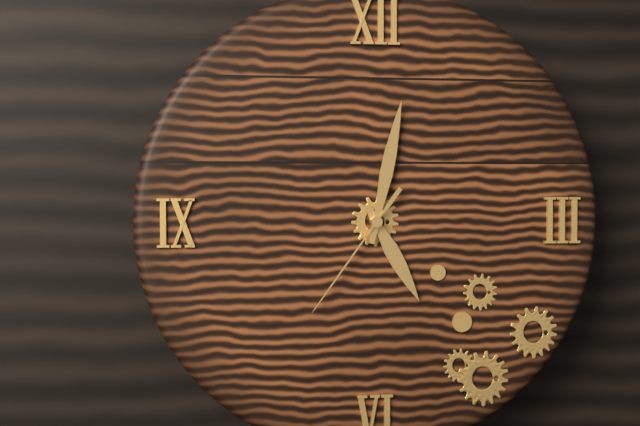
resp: 5,02,36
